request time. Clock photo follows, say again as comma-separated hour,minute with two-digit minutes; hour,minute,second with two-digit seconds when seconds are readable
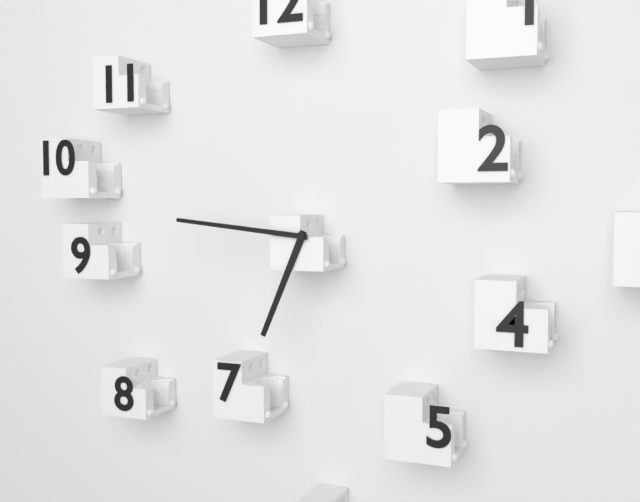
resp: 6,46
